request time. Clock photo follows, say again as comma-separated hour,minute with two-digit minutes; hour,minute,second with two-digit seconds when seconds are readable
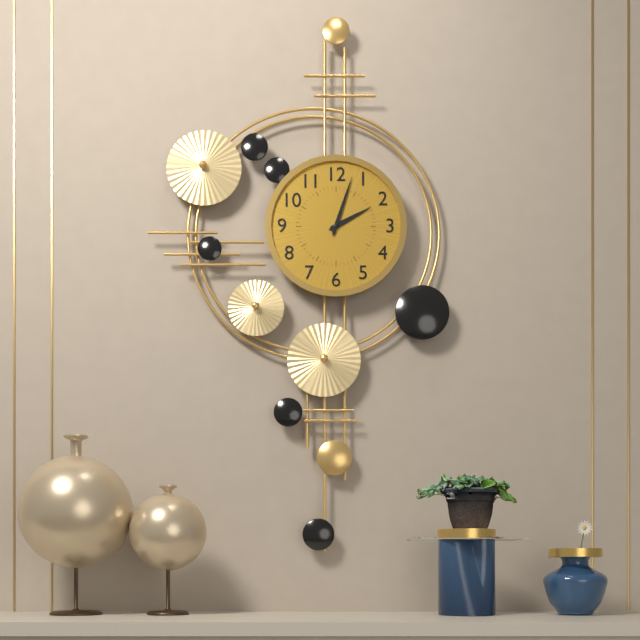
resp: 2,03
